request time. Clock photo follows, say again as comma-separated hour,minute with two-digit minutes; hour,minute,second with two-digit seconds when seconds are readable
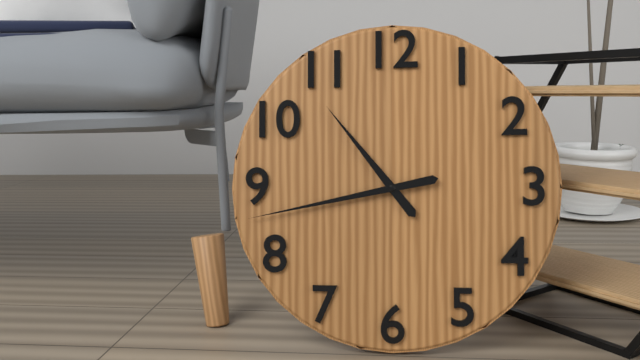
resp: 10,43
